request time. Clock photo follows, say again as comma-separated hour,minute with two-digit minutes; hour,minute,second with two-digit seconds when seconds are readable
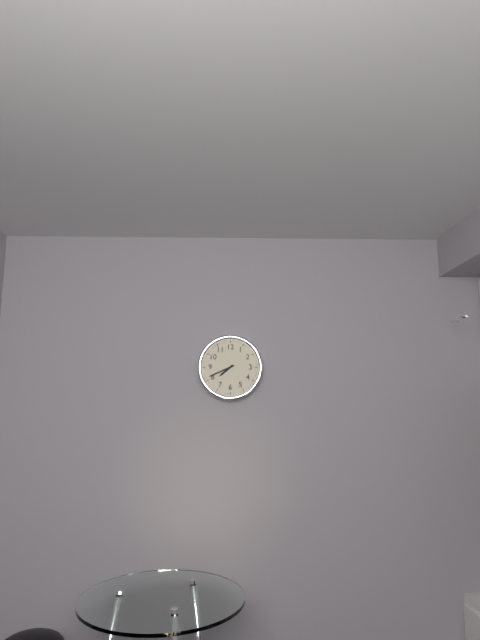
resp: 7,41
